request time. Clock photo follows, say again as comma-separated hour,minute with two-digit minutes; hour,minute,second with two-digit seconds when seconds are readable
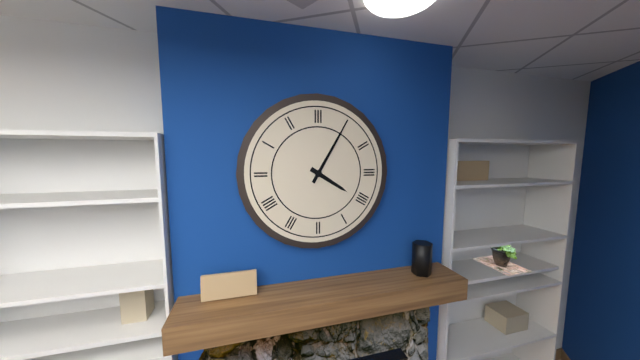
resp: 4,05
